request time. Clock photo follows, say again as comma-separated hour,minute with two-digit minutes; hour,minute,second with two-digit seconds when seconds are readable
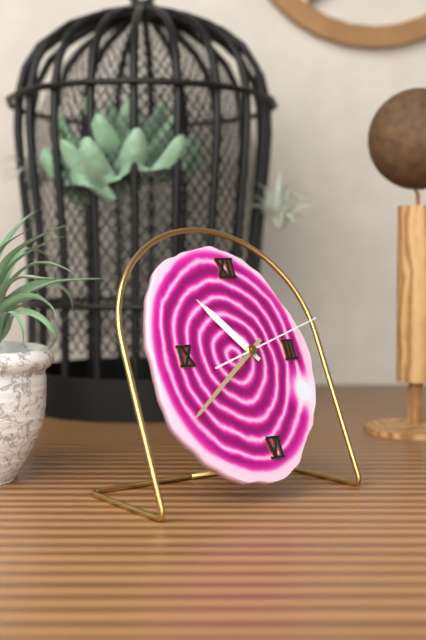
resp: 10,39,12
